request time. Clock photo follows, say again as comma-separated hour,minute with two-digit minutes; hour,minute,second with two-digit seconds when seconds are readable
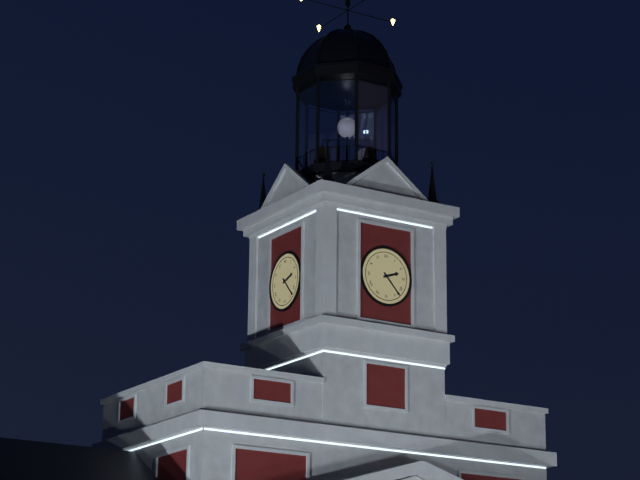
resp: 2,23
